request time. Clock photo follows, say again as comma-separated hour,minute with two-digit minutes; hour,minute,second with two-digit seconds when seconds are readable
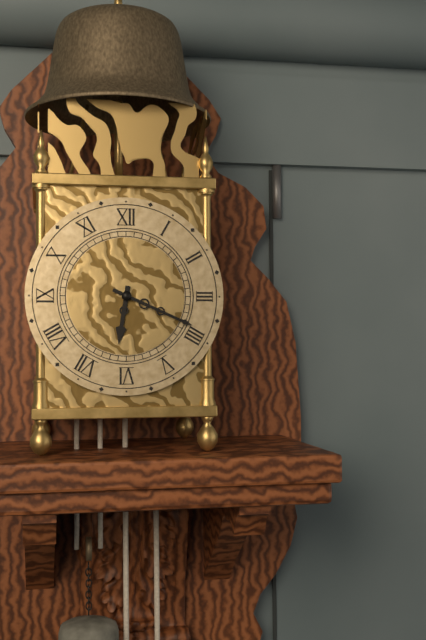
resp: 6,19
